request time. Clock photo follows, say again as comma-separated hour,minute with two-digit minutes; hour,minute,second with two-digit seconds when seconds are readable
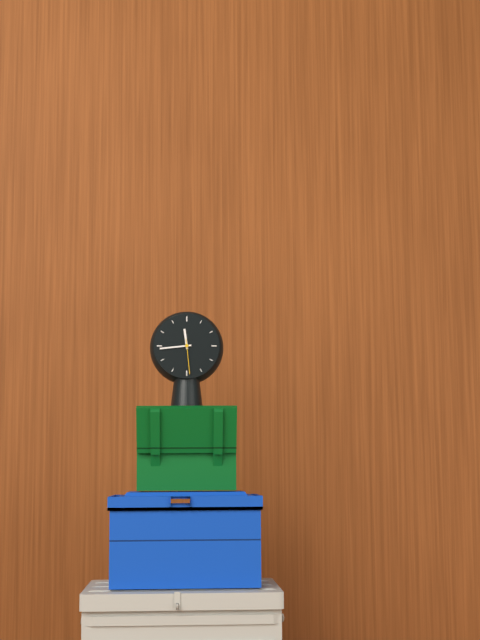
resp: 11,44
